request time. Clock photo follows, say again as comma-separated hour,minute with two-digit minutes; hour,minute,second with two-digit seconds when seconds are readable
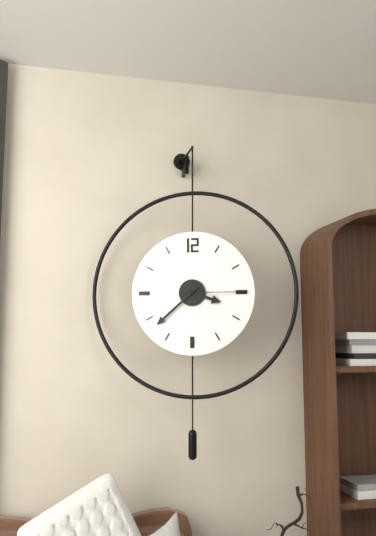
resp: 3,38,15
